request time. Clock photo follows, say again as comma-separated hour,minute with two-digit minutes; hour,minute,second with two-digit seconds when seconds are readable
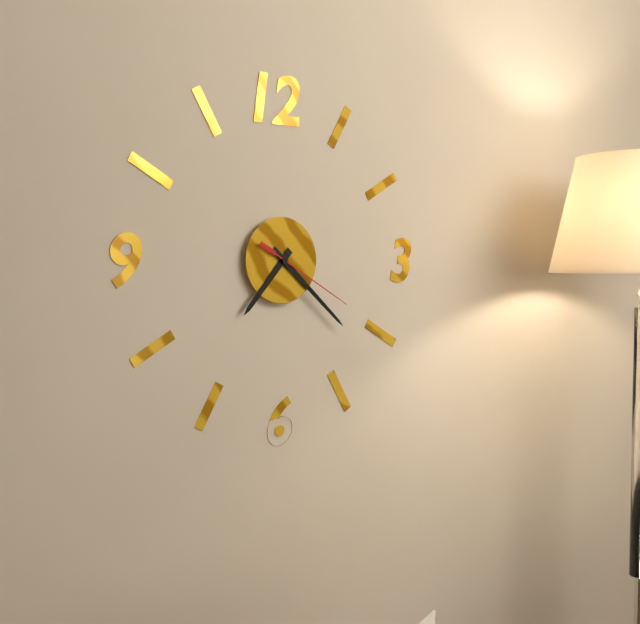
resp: 7,22,20
